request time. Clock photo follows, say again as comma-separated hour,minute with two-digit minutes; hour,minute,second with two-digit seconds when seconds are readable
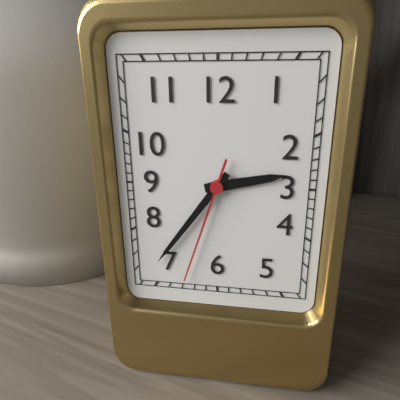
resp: 2,36,33
